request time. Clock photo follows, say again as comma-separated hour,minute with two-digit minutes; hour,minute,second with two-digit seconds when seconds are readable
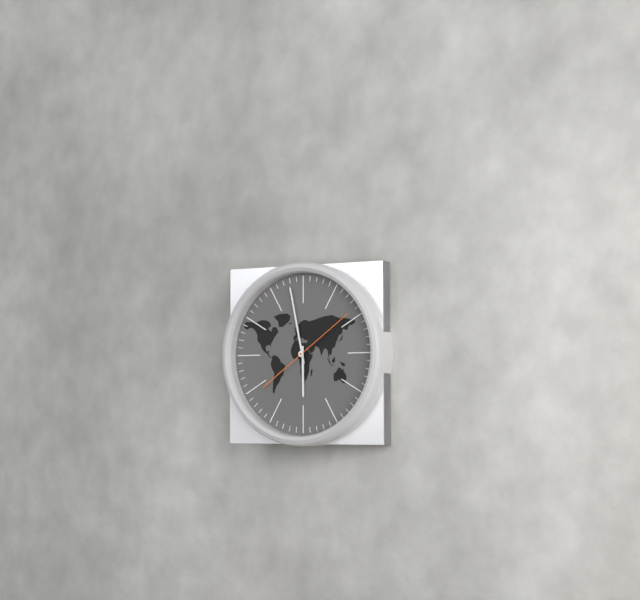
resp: 5,58,09
